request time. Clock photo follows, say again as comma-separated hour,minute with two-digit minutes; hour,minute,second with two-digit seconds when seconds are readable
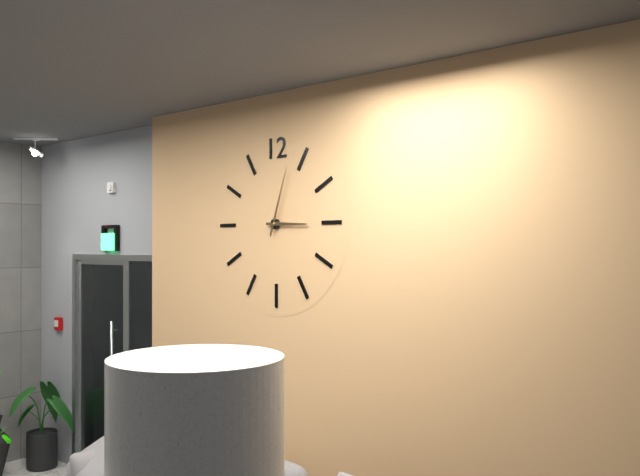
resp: 3,03
